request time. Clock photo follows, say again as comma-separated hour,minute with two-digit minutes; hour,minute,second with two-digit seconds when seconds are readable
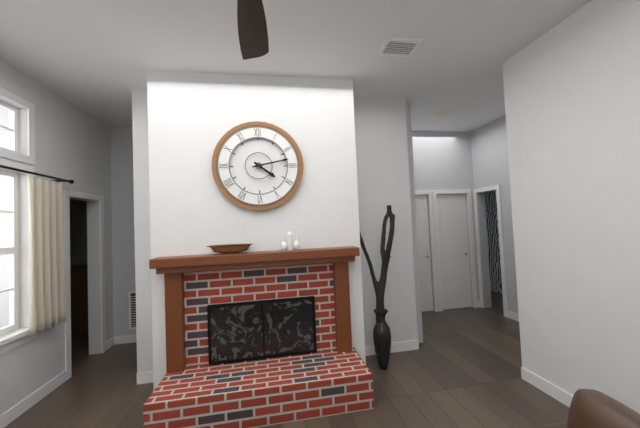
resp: 4,13
